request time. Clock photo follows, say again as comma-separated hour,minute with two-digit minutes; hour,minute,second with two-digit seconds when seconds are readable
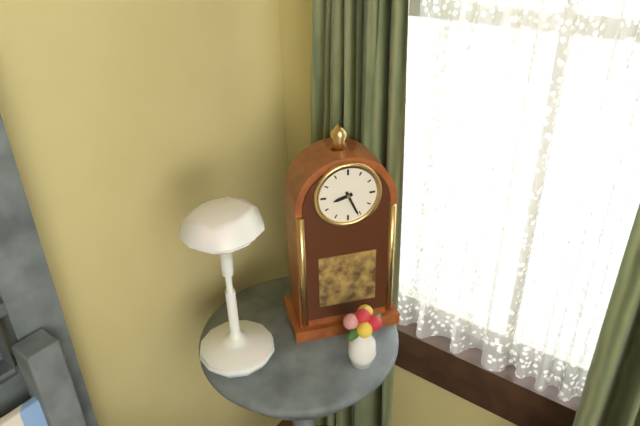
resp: 8,26
